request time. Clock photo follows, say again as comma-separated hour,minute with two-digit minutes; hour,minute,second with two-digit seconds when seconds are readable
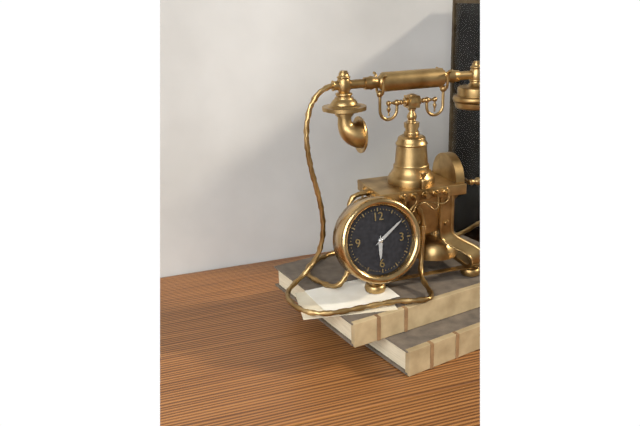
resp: 6,09
